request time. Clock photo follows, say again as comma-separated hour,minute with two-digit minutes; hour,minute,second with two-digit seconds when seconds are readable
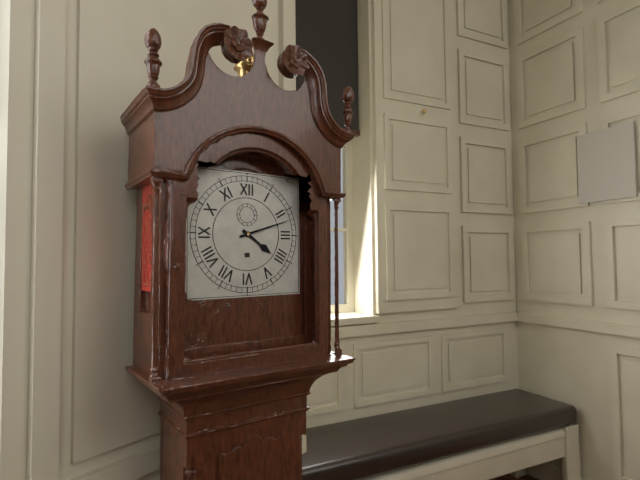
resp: 4,12
